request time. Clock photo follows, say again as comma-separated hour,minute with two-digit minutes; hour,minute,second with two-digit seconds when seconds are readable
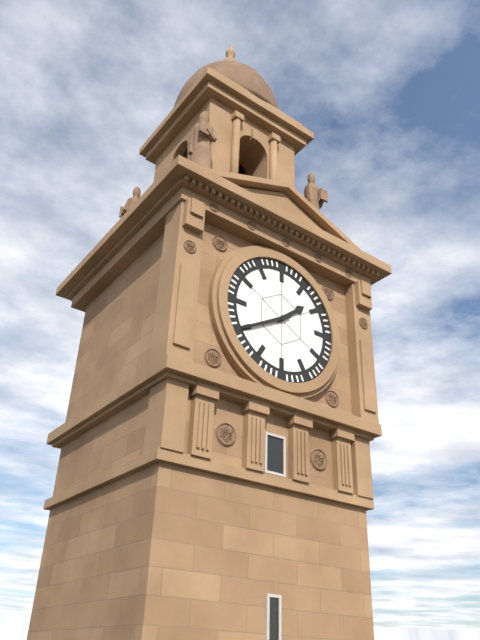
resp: 1,40
